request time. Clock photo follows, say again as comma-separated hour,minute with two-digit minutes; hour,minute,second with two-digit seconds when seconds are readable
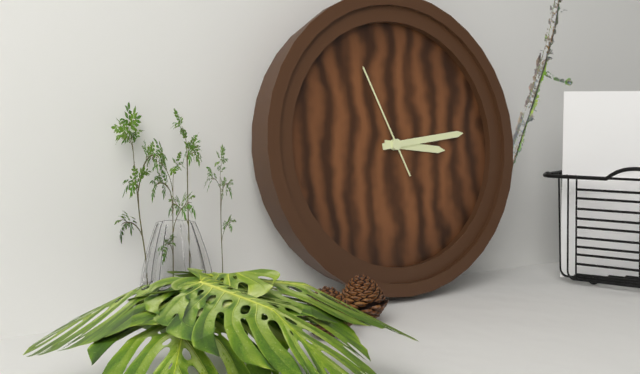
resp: 3,14,56
